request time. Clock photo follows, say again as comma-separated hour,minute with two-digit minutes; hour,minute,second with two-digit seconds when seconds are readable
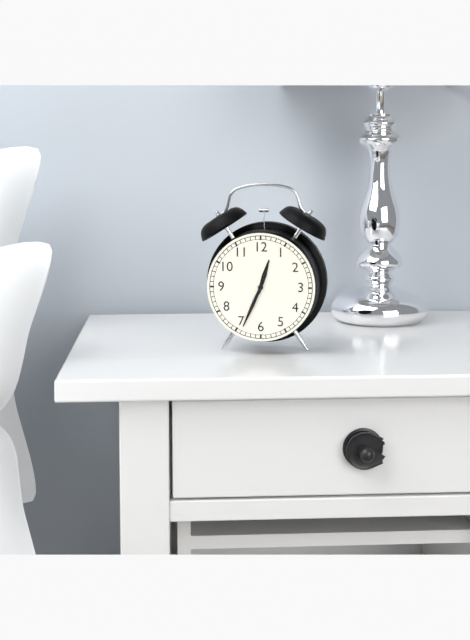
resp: 12,34
